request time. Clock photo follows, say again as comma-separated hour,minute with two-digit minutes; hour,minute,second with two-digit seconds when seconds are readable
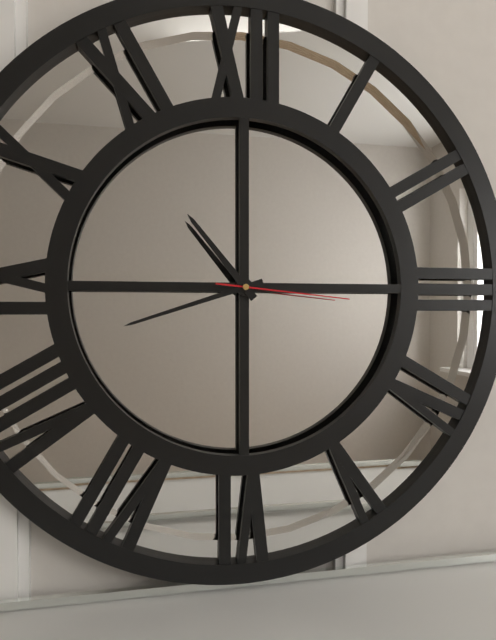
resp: 10,42,16
